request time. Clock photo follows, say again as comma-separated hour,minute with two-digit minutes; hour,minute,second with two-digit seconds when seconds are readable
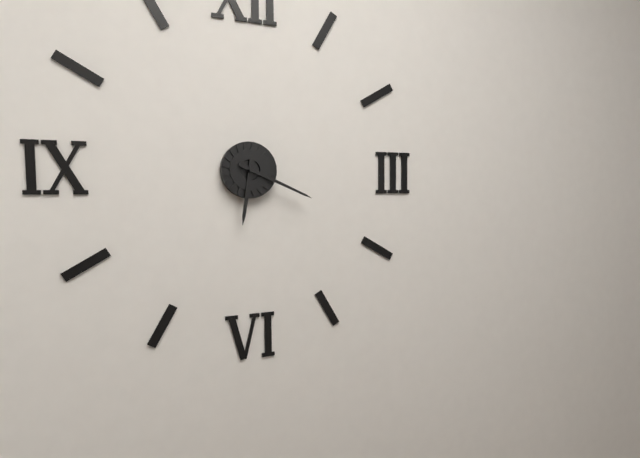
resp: 6,19
